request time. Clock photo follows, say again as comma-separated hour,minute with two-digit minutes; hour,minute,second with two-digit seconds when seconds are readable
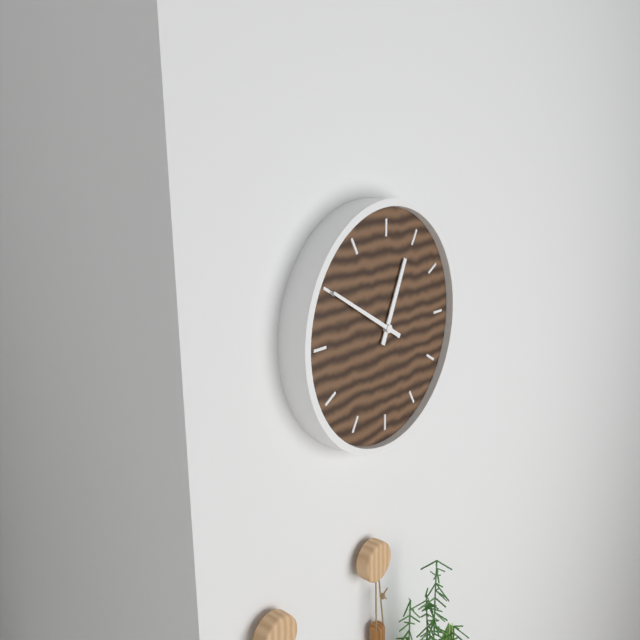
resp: 12,50
